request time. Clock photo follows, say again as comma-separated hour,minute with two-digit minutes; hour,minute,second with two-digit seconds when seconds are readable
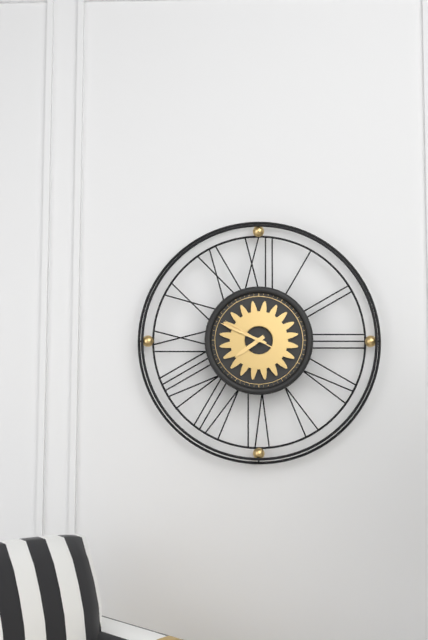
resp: 7,49,50
